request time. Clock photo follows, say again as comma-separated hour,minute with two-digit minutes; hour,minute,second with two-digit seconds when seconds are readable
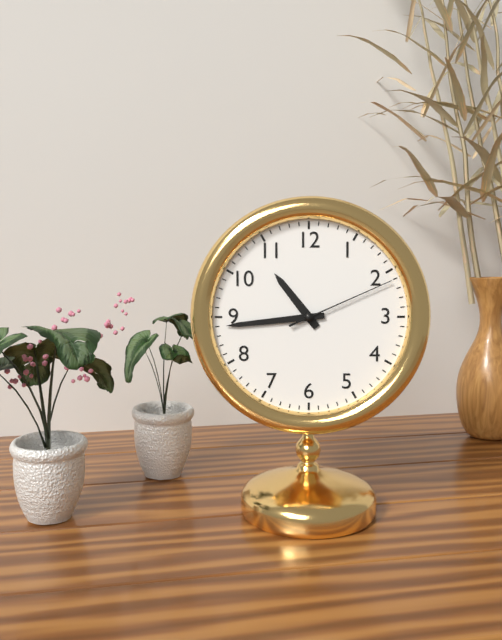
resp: 10,44,11
